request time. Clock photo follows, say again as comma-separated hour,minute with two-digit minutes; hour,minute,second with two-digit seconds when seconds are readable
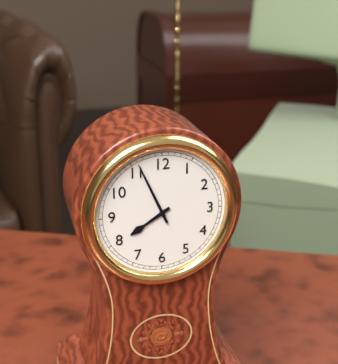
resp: 7,56
